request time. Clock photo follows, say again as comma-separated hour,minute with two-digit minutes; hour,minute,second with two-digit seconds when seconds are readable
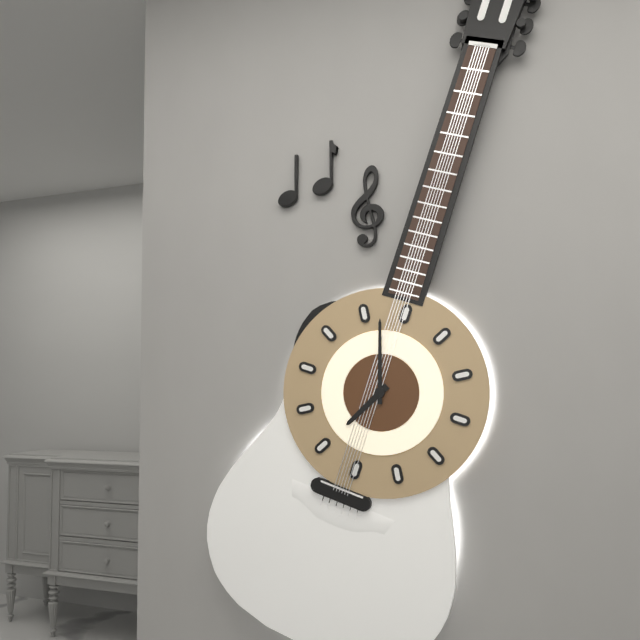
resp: 6,57
